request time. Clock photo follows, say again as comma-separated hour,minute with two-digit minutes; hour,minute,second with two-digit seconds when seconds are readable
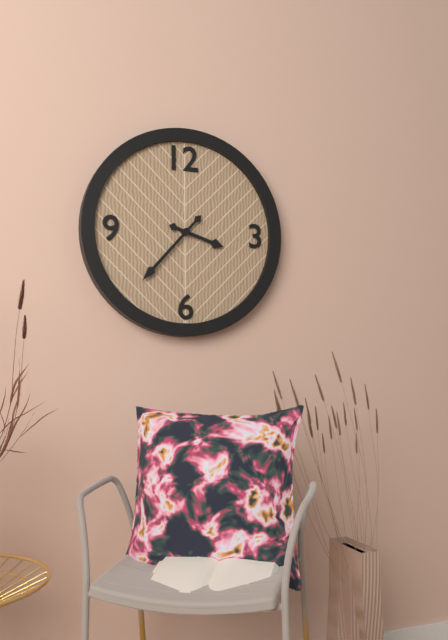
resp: 3,37
